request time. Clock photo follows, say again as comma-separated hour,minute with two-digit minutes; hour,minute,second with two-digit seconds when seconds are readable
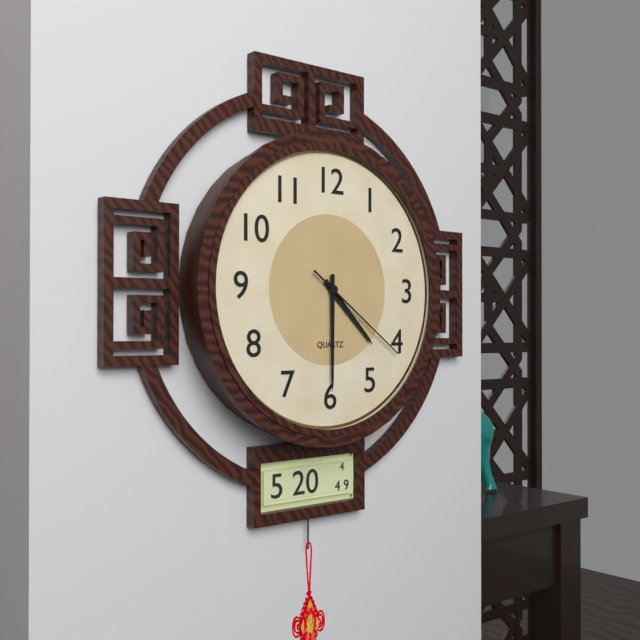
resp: 4,30,21
